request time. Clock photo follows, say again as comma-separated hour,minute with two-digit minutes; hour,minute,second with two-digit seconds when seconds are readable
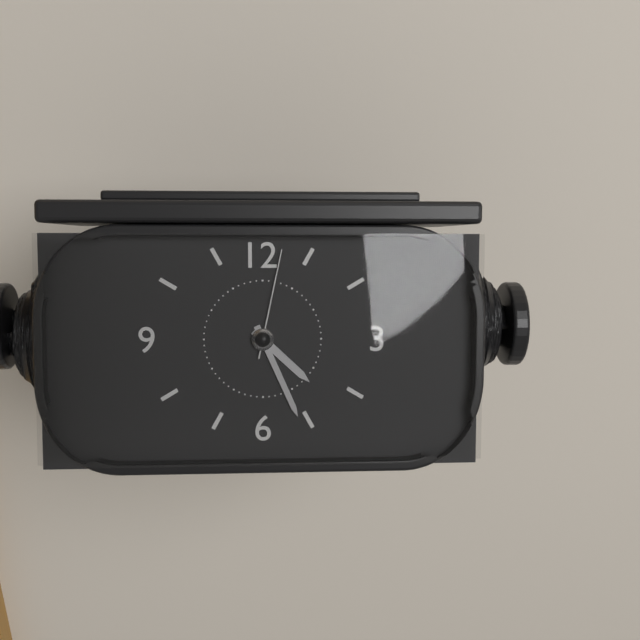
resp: 4,26,02
